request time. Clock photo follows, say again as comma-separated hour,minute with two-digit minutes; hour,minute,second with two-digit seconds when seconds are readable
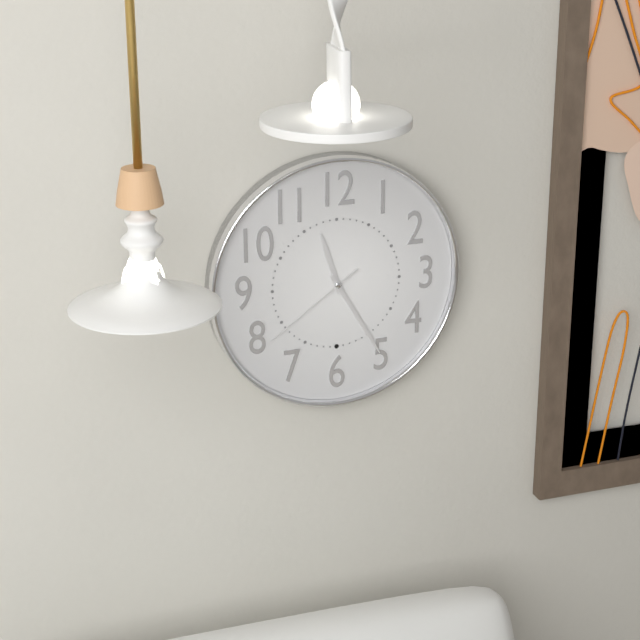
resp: 11,25,39
